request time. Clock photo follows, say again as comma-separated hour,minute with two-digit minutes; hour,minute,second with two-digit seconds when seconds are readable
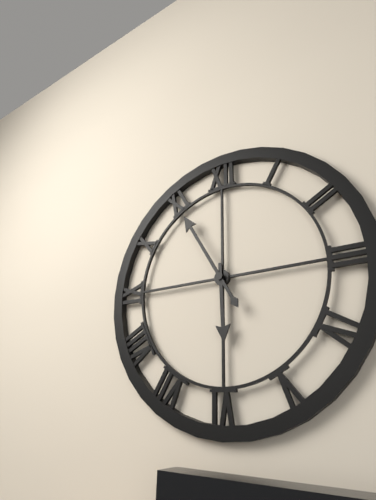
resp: 5,55
